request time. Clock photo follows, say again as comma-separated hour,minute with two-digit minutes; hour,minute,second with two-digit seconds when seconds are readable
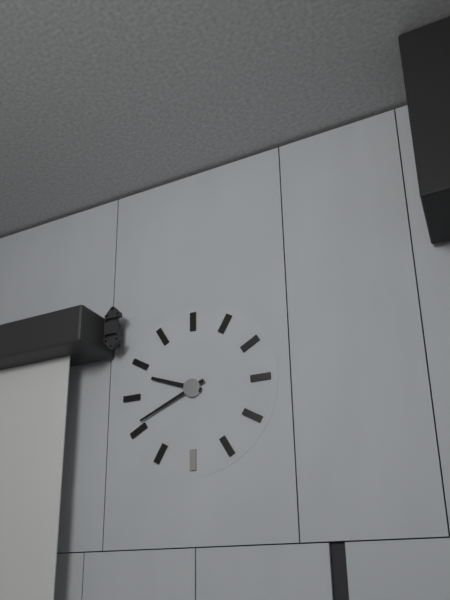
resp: 9,41
